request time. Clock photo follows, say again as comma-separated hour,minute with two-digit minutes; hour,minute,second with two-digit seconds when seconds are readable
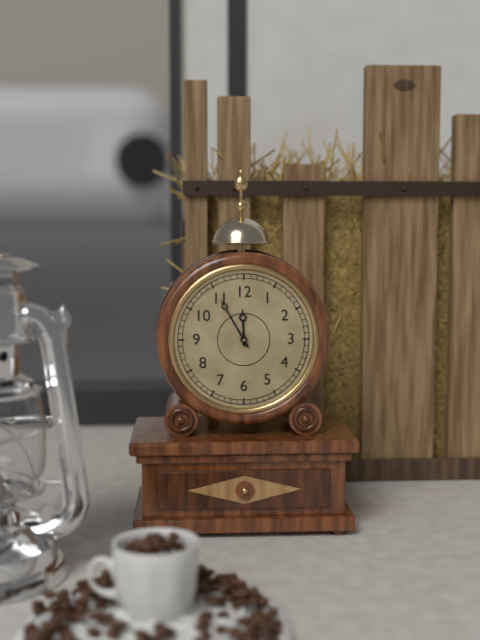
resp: 11,55
